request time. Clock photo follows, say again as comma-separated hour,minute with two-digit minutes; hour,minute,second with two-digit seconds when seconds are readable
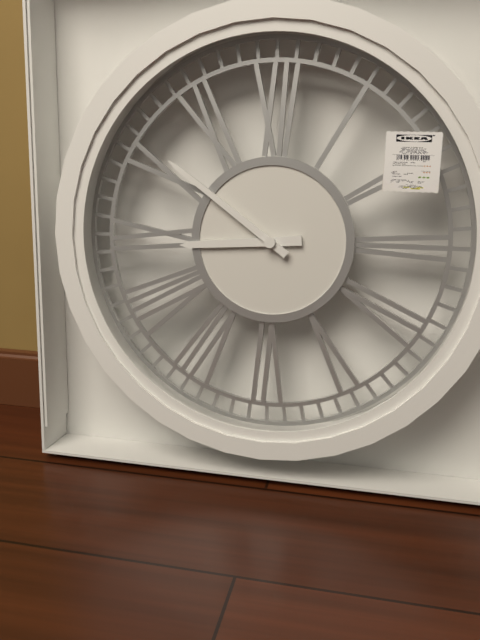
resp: 8,51
